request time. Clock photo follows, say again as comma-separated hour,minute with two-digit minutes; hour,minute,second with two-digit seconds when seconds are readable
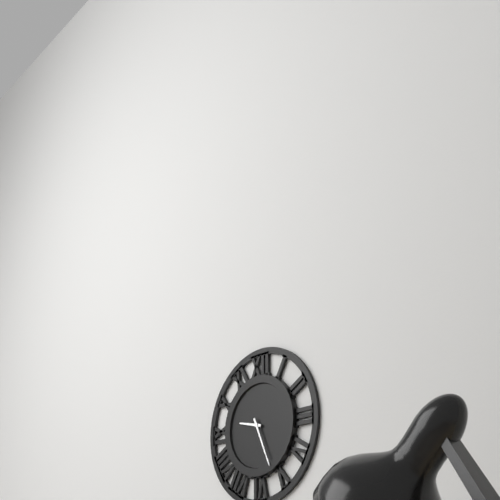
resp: 9,26
